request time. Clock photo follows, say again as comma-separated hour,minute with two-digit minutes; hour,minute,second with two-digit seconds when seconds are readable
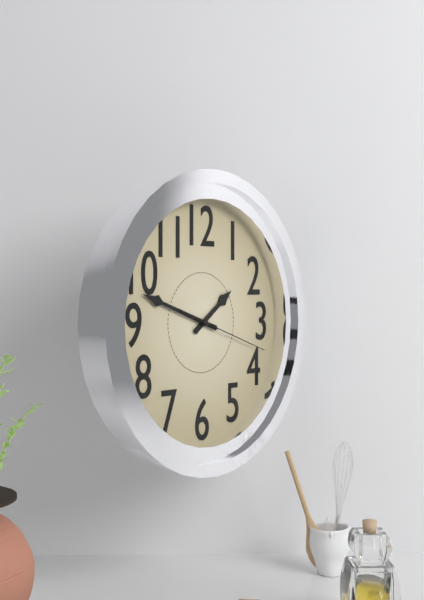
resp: 1,48,18
